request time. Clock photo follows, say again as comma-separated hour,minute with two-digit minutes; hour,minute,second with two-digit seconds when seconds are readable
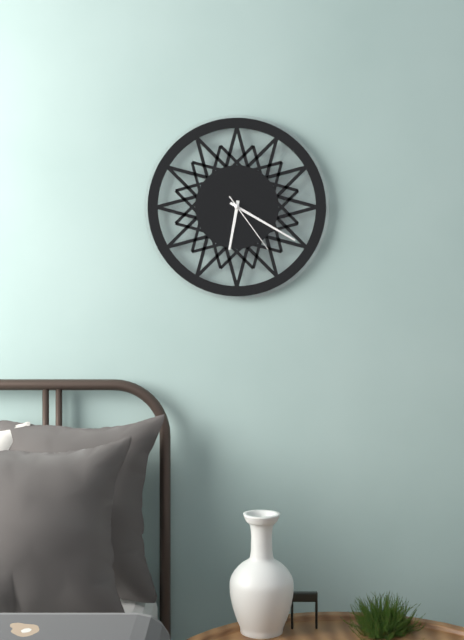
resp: 6,20,24
